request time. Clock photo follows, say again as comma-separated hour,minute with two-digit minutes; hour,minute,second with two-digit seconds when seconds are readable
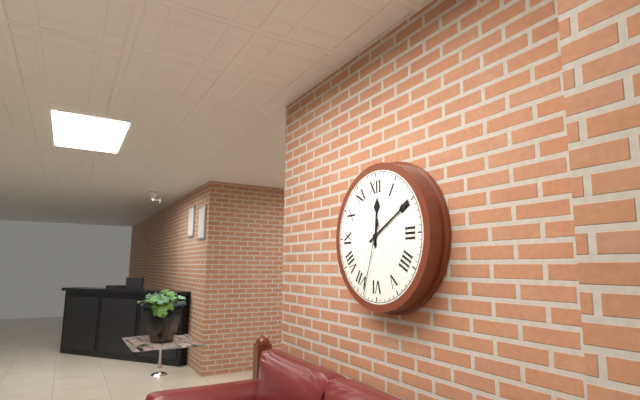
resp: 12,10,33
